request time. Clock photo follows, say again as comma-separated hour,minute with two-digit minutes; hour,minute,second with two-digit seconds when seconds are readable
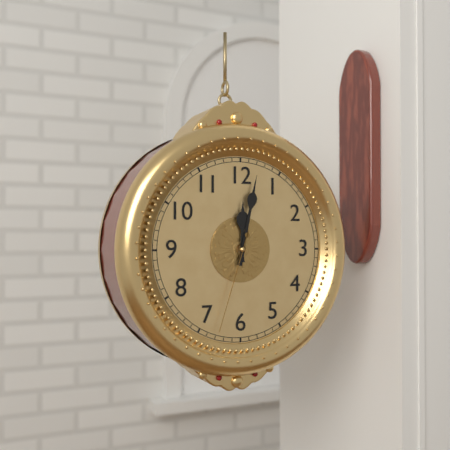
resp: 12,02,33
